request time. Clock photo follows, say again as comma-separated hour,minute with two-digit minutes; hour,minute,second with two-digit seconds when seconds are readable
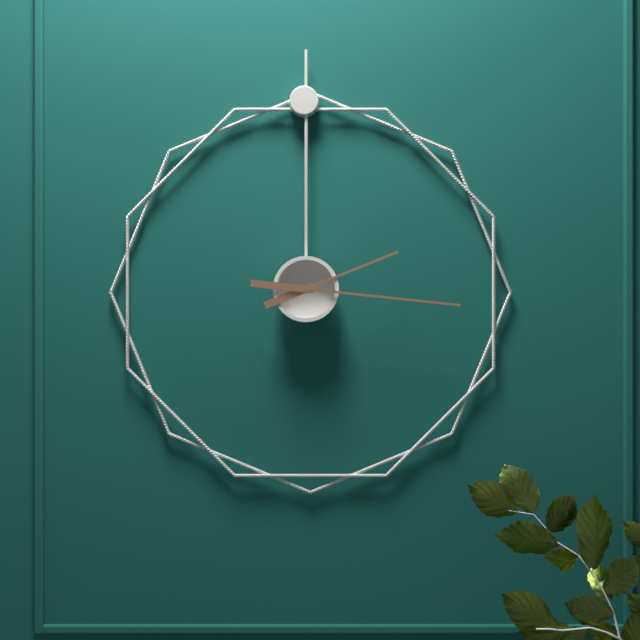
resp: 2,16
